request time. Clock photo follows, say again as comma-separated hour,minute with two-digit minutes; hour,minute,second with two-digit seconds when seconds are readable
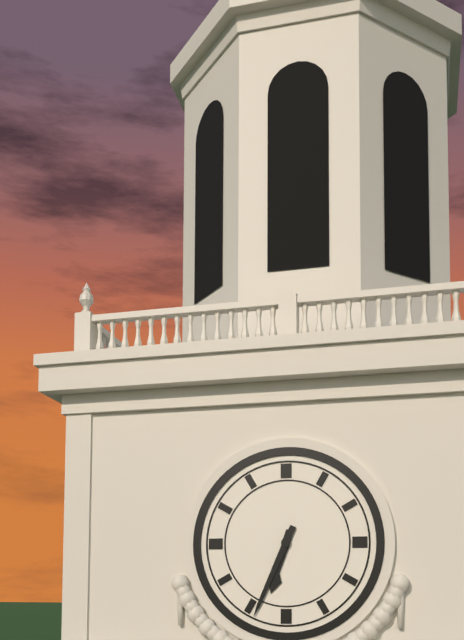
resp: 6,34
